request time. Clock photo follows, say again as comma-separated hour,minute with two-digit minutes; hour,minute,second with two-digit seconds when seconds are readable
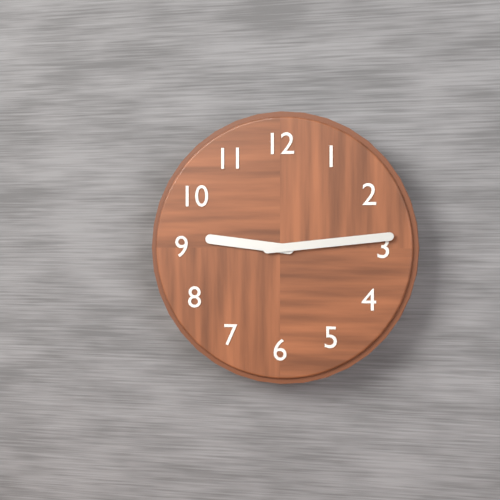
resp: 9,14
